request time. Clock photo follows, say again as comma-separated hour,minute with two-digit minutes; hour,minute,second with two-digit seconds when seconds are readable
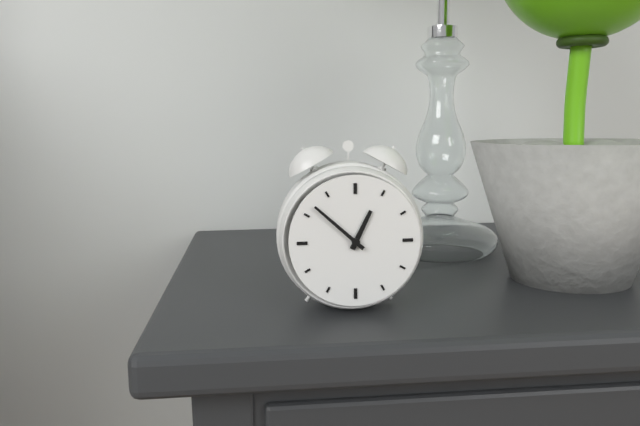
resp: 12,52
